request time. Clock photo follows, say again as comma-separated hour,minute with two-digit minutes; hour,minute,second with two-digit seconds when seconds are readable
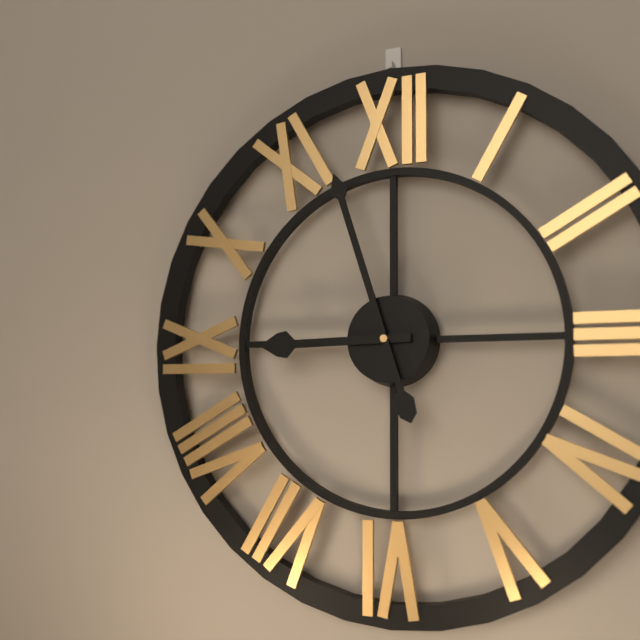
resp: 8,57
